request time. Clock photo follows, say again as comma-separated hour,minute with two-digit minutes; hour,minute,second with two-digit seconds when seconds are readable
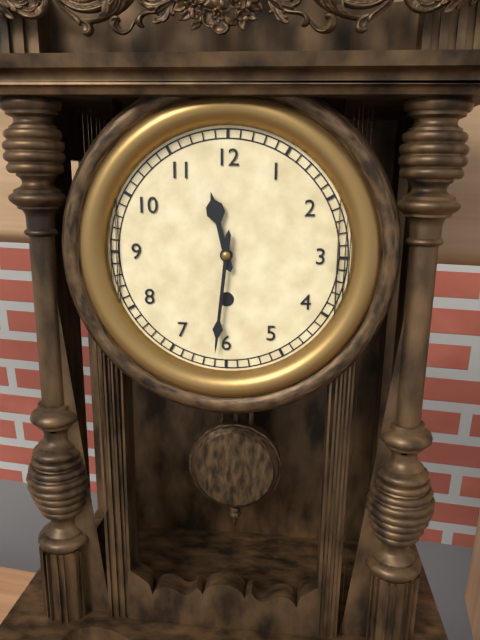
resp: 11,31
